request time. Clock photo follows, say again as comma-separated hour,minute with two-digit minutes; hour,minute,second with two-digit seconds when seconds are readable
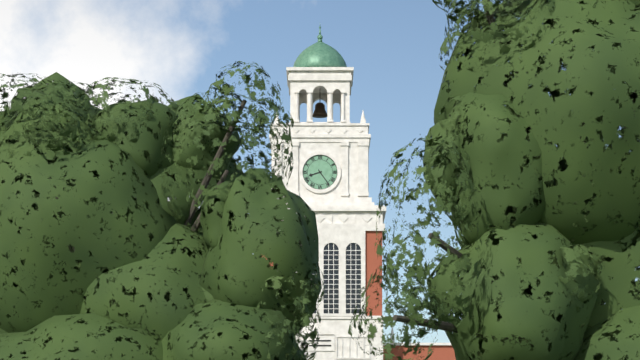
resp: 8,24
